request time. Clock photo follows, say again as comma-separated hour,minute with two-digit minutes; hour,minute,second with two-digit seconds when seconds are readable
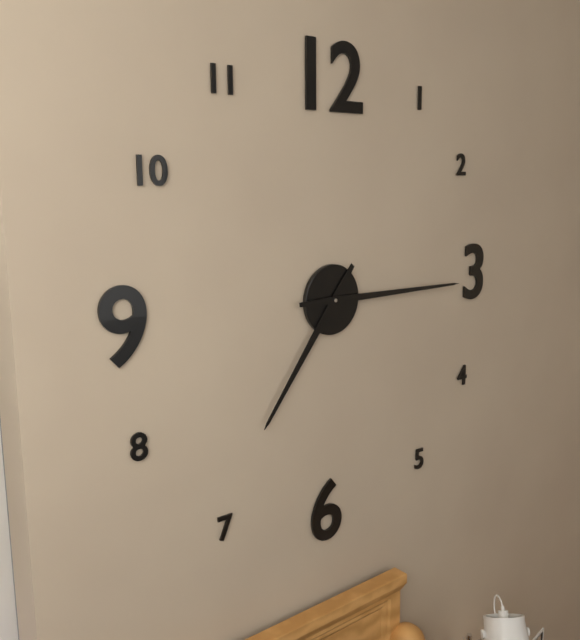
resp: 7,15
